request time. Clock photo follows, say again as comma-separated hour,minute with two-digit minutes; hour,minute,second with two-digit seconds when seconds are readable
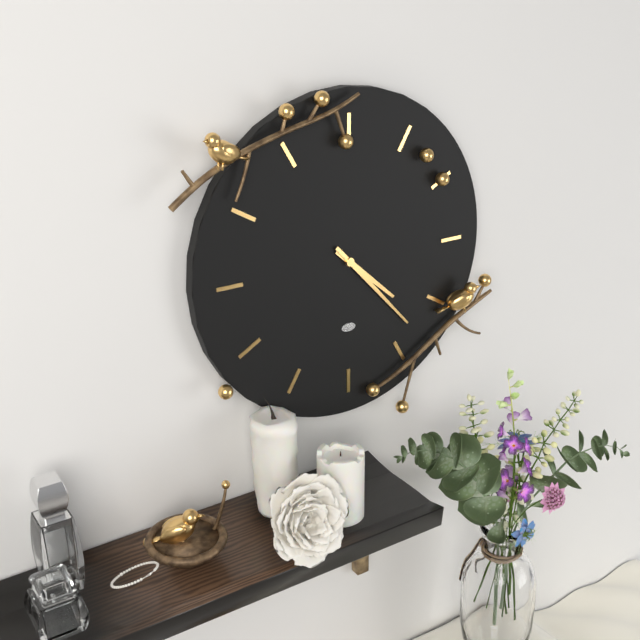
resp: 4,23
